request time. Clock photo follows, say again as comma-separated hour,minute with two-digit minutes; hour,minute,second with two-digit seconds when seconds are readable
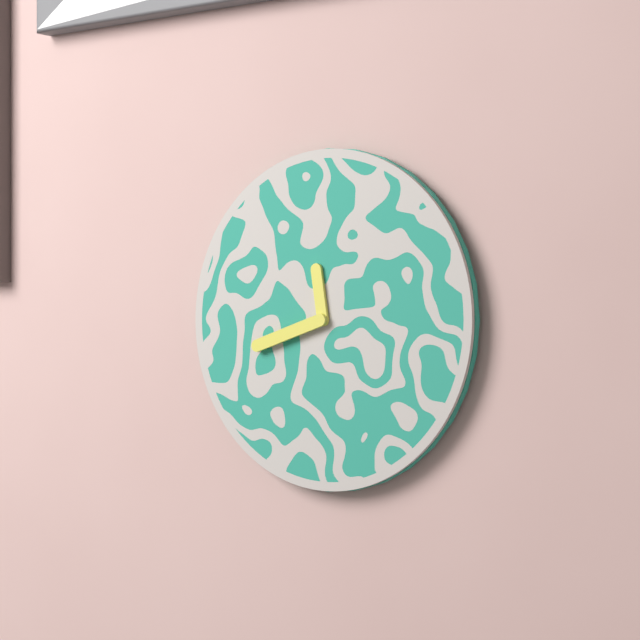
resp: 11,42
